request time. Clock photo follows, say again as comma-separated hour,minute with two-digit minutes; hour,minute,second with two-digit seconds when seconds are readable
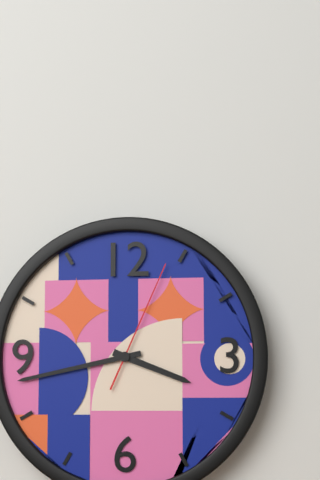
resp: 3,43,04
